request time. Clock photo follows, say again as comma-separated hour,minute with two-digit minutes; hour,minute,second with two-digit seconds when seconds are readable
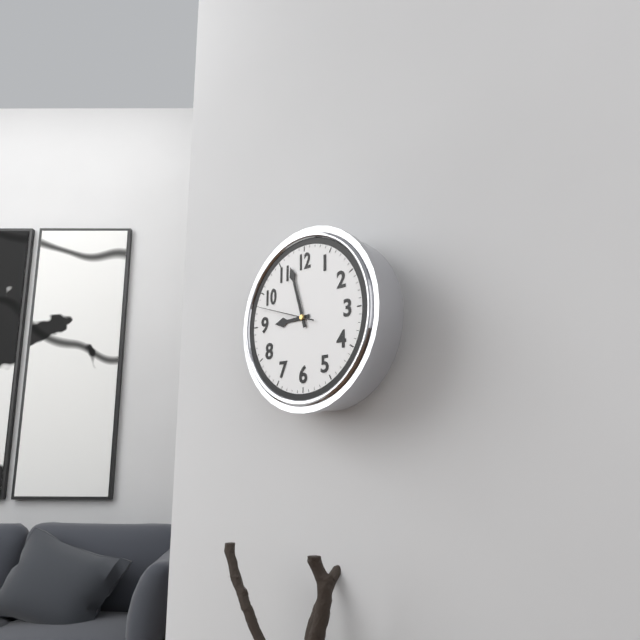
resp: 8,57,48
